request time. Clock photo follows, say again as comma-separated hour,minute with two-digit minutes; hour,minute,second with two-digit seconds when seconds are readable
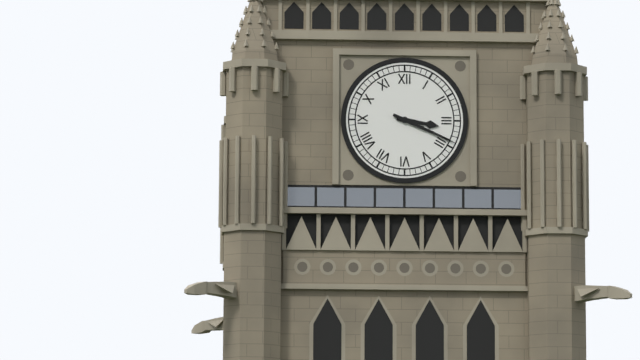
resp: 3,19
